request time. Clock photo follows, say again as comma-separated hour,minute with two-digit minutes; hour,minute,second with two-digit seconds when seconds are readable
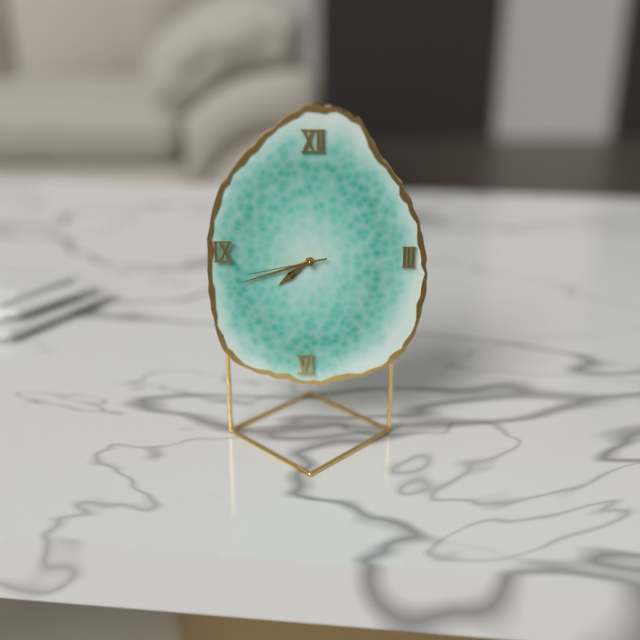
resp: 7,42,43
